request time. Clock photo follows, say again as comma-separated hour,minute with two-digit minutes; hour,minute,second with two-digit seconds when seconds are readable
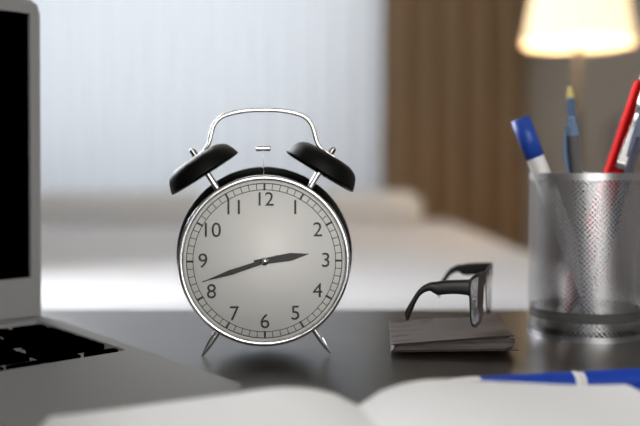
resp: 2,42,42
